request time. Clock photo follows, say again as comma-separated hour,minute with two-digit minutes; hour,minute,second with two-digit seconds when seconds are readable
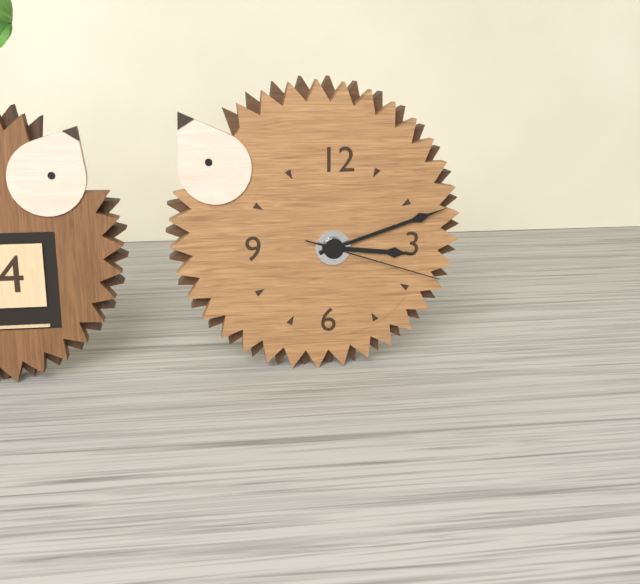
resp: 3,12,18
